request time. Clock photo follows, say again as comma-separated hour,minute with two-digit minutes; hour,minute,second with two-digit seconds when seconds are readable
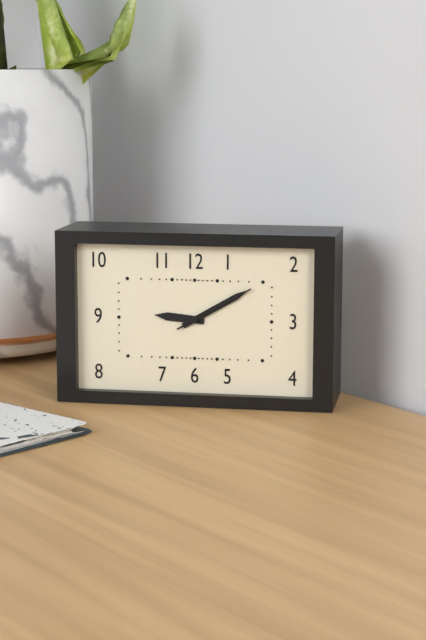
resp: 9,10,10
